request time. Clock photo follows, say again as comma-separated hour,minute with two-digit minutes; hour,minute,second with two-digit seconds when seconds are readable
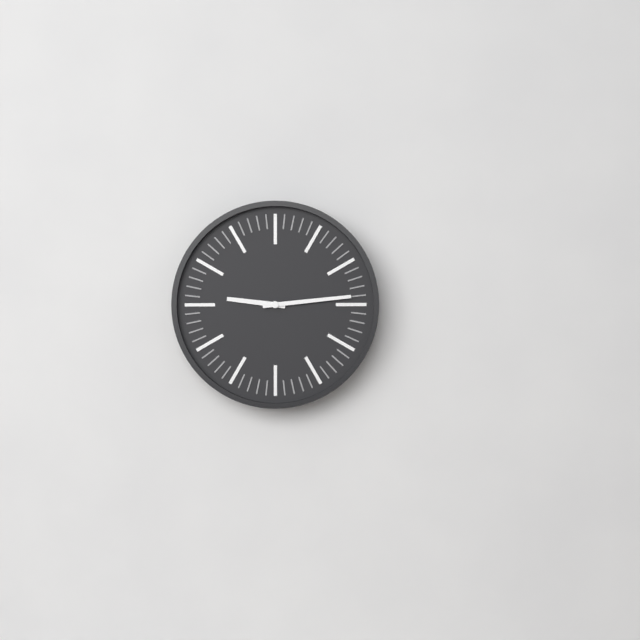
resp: 9,14
